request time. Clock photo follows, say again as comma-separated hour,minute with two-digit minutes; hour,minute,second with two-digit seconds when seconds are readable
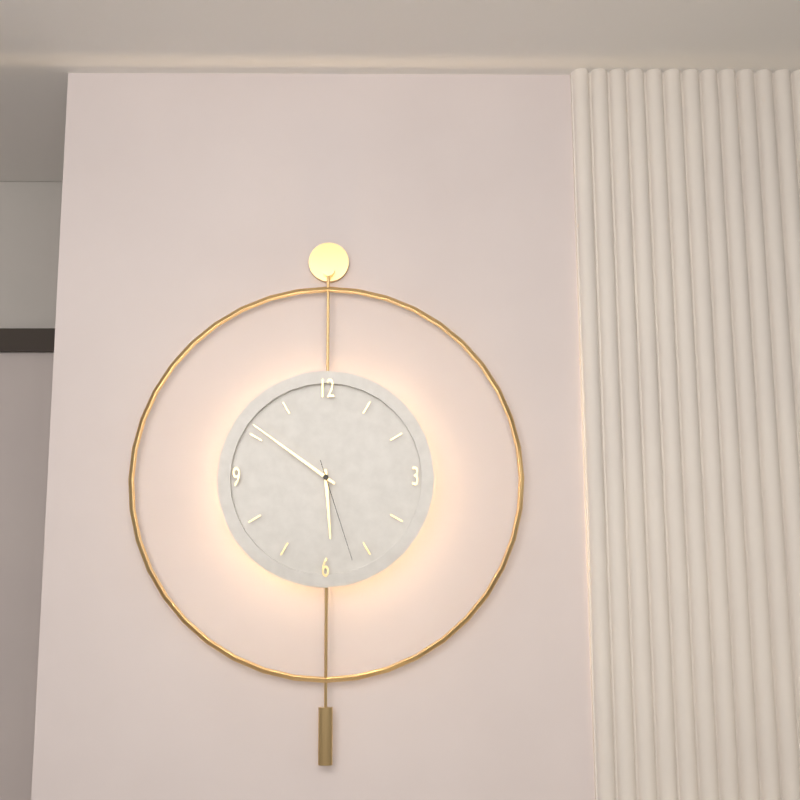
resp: 5,51,27
